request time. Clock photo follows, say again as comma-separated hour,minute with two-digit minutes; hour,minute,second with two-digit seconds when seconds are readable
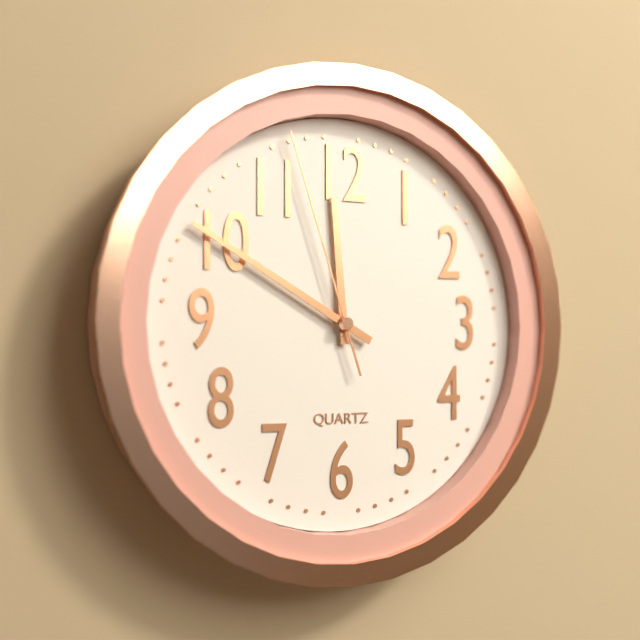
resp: 11,50,57
